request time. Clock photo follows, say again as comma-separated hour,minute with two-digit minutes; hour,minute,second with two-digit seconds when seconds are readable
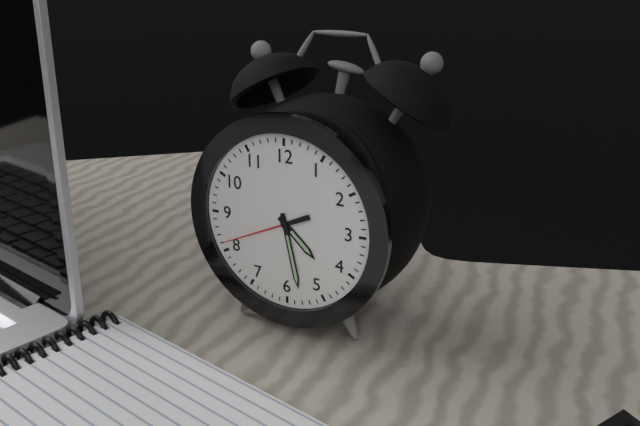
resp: 4,28,41
